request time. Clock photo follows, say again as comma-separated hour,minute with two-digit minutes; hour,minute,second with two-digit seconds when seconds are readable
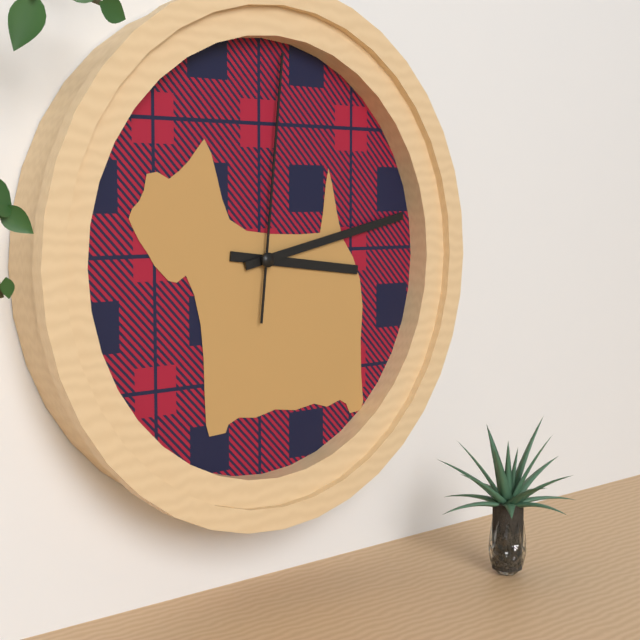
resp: 3,13,01
